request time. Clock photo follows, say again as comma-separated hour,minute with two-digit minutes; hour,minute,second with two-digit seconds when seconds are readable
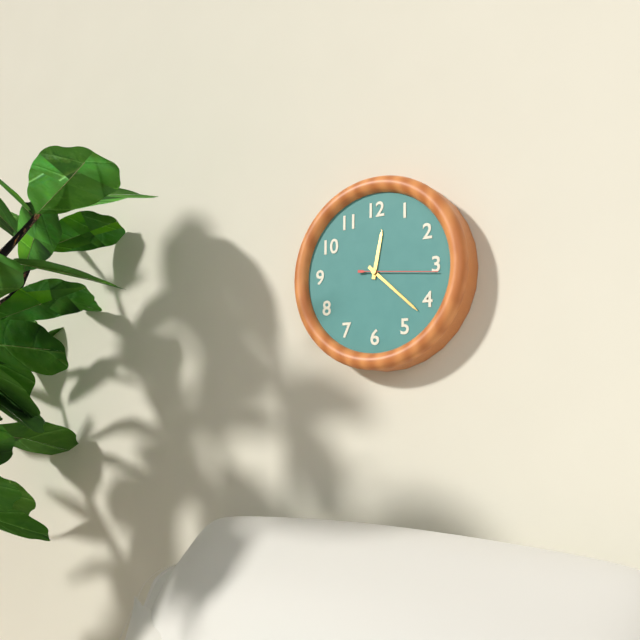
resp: 12,22,16
